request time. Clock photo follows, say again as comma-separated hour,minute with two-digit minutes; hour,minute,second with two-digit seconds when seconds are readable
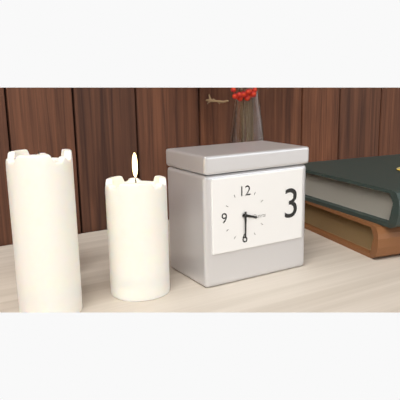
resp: 3,30
